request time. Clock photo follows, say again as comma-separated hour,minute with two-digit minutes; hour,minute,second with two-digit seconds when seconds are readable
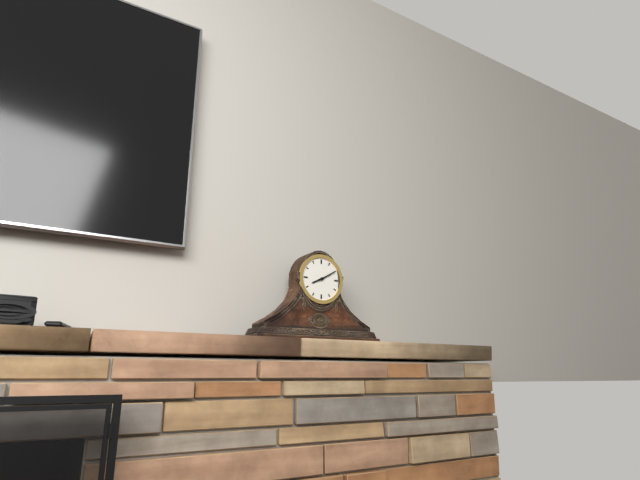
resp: 8,10
